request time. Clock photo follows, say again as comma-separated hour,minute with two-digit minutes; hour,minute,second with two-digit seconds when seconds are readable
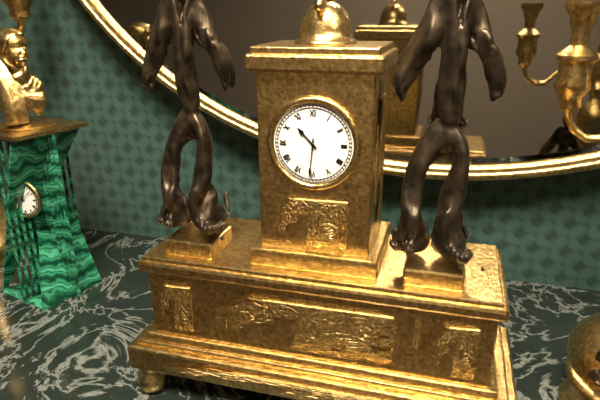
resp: 10,31
